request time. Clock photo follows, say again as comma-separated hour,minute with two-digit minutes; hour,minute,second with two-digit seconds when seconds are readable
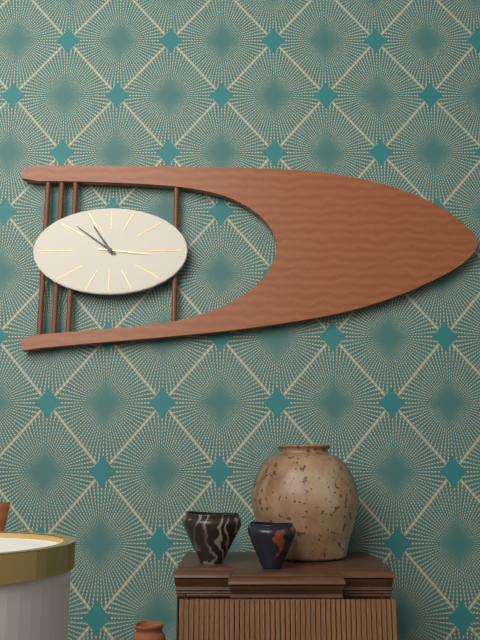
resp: 10,51,16
